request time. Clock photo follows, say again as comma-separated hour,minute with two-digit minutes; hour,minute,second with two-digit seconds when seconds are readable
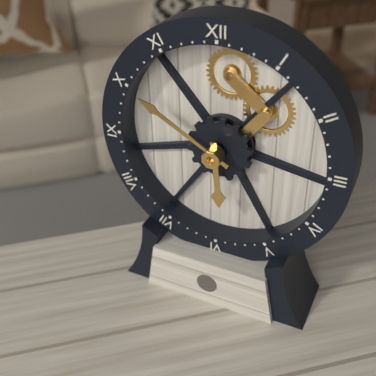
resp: 5,50
